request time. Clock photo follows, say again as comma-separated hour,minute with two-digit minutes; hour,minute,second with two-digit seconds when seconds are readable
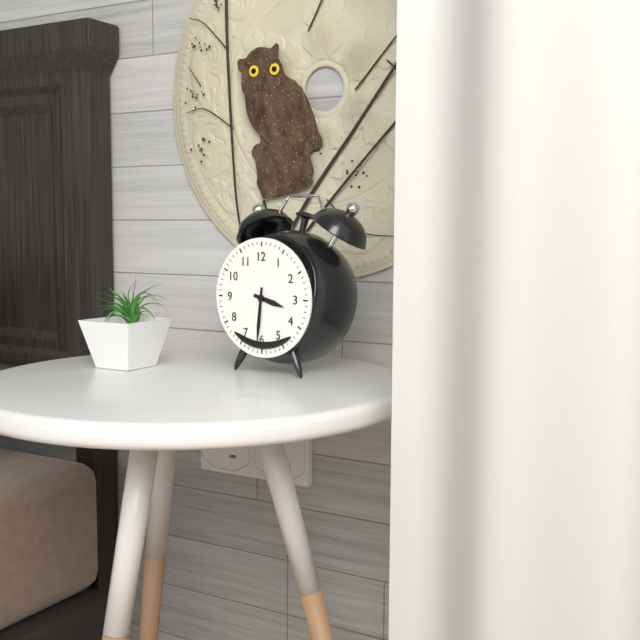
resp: 3,31
